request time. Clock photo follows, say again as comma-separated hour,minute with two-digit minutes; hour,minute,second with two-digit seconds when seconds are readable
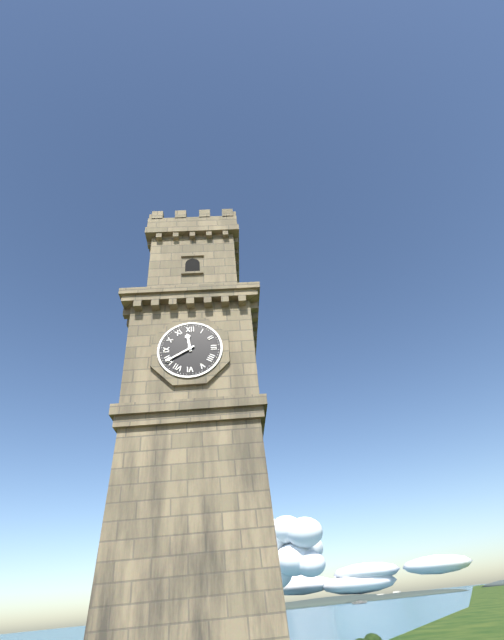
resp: 11,40
